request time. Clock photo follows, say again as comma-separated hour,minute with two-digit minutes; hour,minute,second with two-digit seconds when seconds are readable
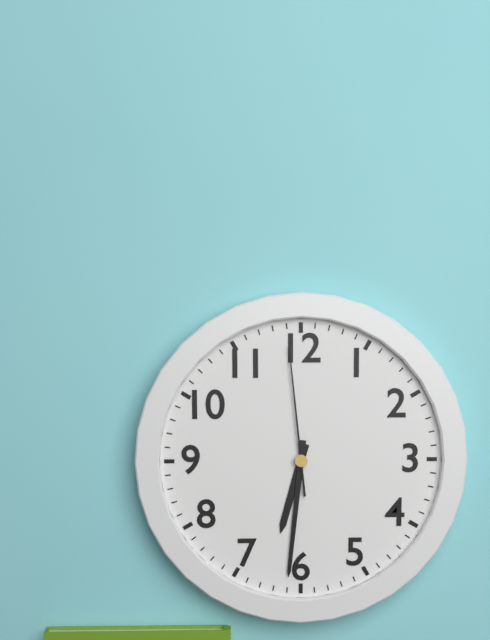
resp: 6,31,59
